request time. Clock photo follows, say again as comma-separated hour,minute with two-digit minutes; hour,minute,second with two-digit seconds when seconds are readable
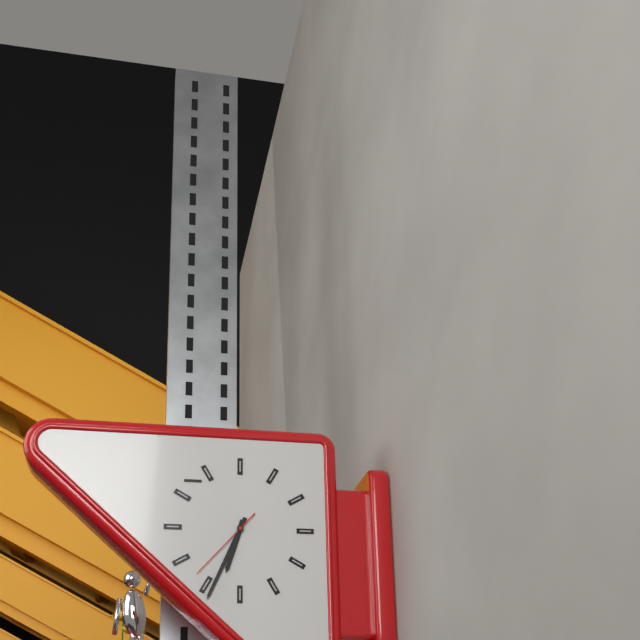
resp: 6,34,37
